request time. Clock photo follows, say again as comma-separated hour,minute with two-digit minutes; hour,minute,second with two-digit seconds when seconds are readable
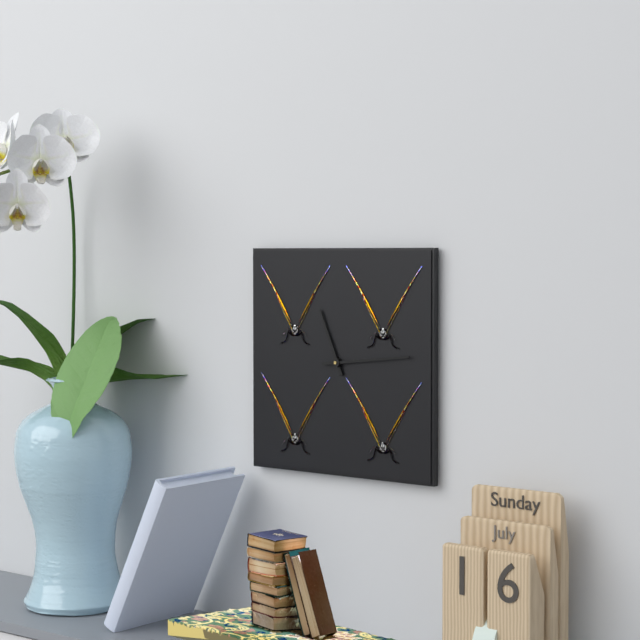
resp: 11,14
